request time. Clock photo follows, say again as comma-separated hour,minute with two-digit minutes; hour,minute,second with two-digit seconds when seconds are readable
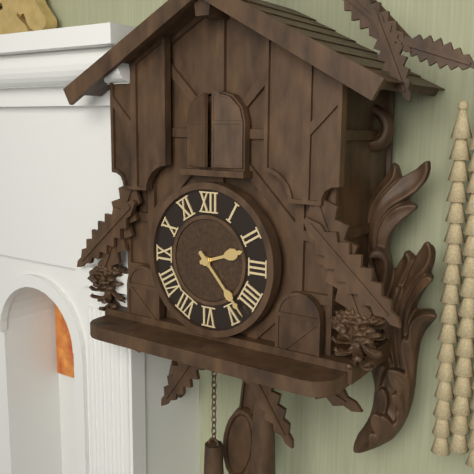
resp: 2,23
